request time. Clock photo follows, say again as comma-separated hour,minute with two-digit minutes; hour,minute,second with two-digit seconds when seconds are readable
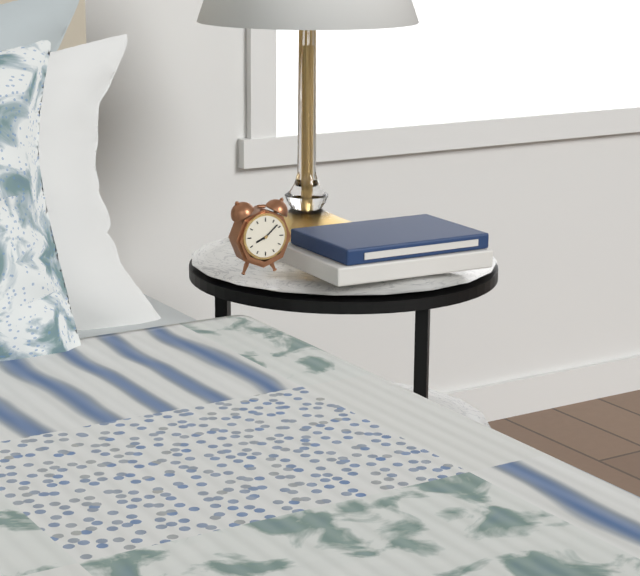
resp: 8,08
